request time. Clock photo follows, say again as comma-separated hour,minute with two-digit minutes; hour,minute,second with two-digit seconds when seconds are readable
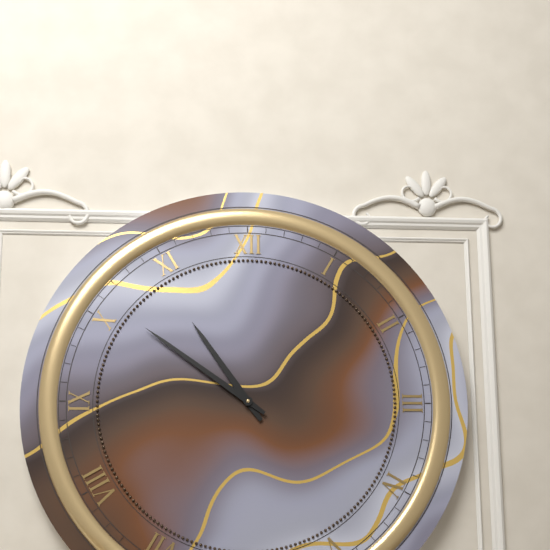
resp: 10,51
